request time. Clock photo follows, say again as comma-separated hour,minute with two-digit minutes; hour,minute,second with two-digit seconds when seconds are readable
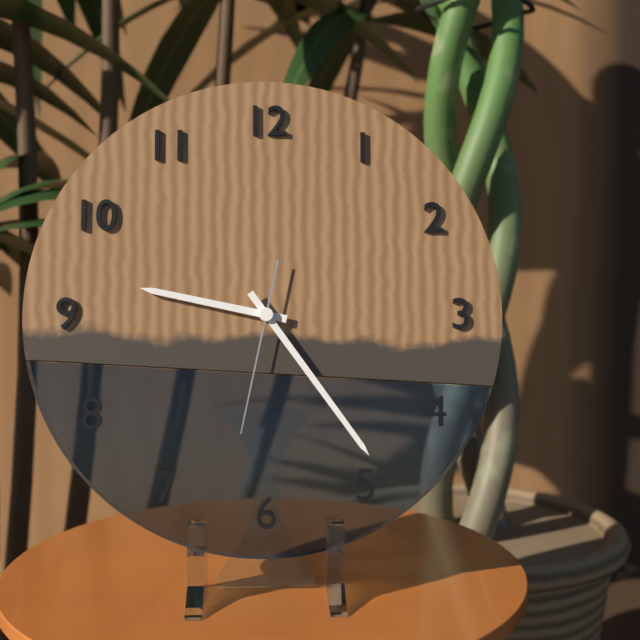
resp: 9,24,32
